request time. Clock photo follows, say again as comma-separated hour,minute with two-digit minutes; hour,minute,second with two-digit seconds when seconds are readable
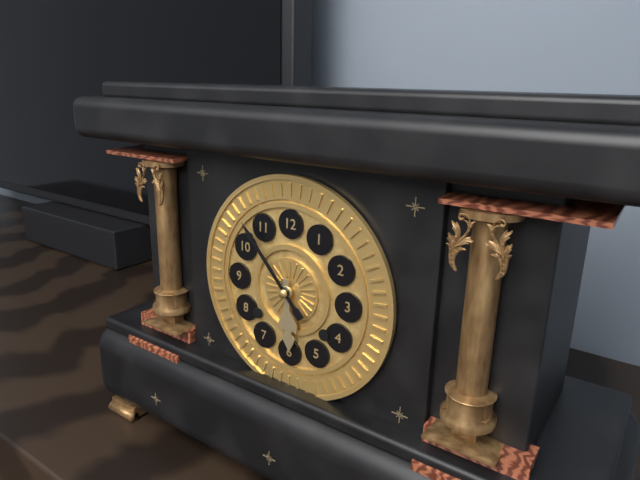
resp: 5,53
